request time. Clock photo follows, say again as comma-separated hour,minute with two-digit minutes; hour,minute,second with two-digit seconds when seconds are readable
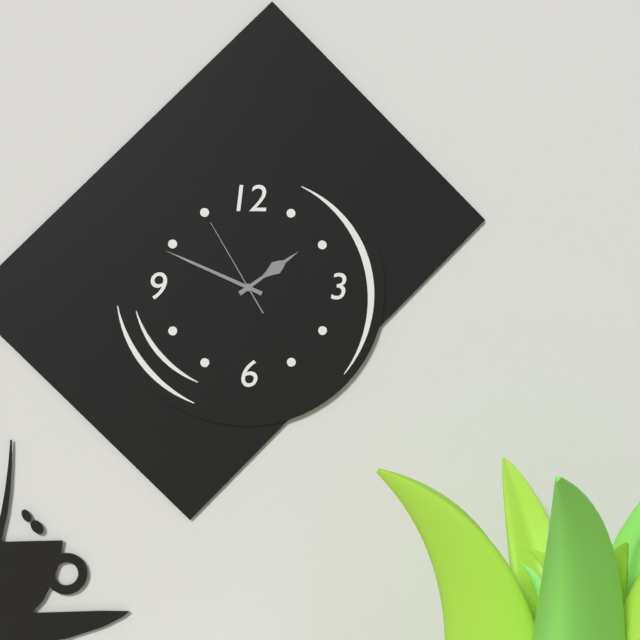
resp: 1,49,55
